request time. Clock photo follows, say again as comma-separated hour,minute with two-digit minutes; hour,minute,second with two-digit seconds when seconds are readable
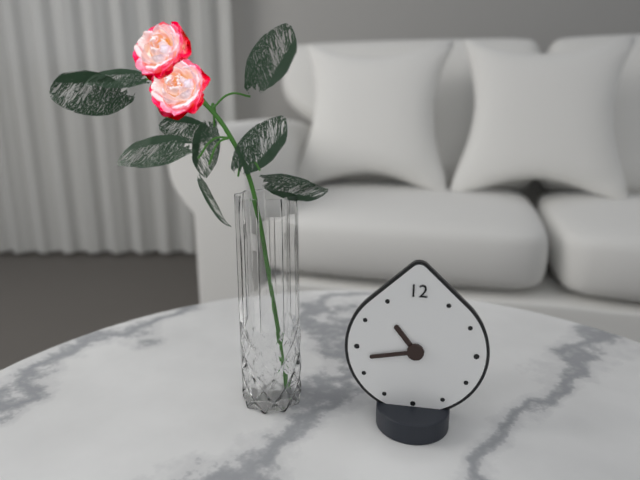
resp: 10,43
